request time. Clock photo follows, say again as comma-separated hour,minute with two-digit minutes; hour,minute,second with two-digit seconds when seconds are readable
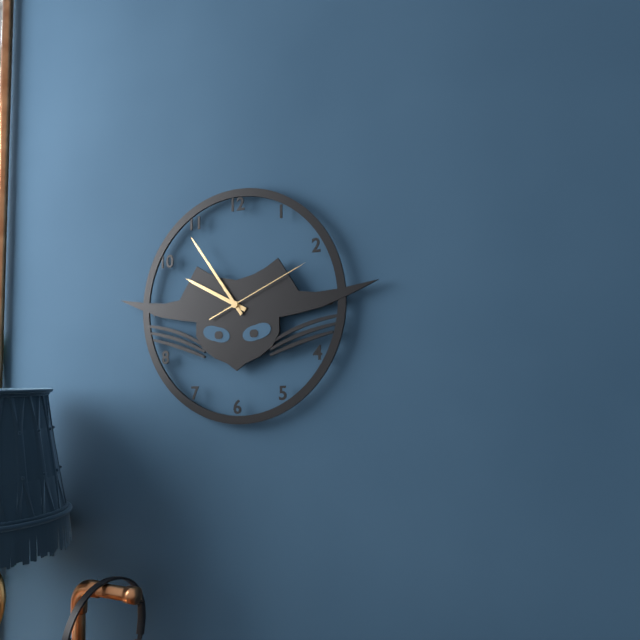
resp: 9,54,11
